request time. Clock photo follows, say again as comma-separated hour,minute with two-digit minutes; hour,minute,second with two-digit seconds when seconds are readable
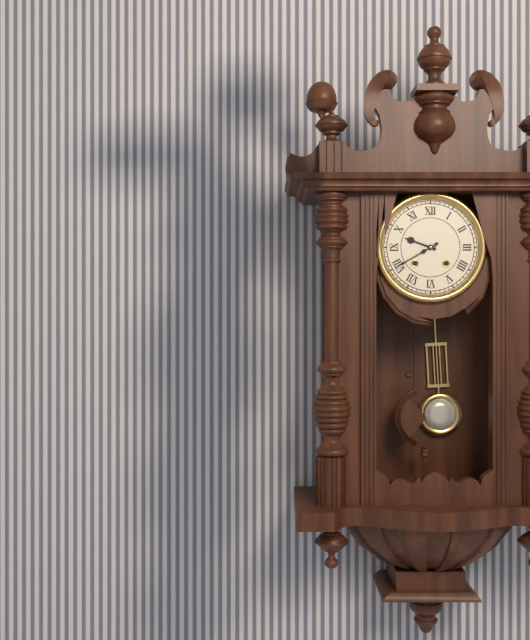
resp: 9,40
